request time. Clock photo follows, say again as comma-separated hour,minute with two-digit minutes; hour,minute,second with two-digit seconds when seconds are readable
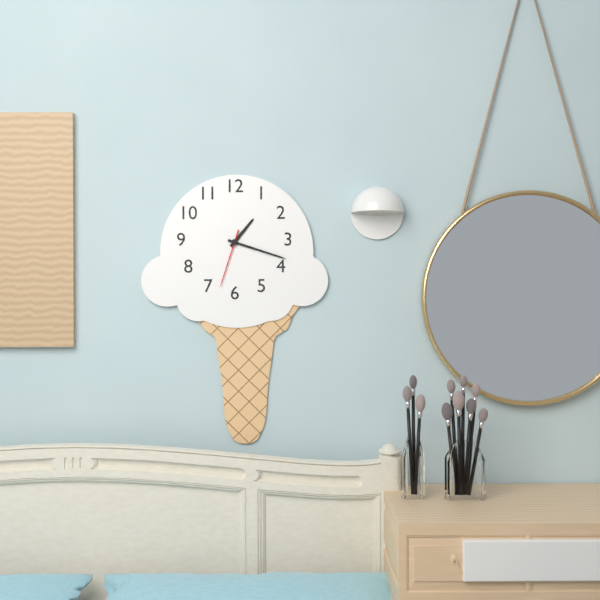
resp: 1,18,33
